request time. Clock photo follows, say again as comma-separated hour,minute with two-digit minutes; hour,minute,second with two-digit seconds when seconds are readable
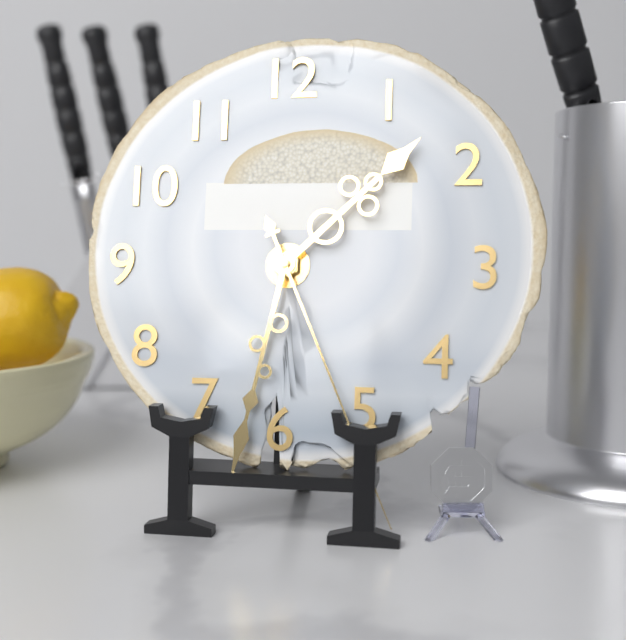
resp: 1,32,26
